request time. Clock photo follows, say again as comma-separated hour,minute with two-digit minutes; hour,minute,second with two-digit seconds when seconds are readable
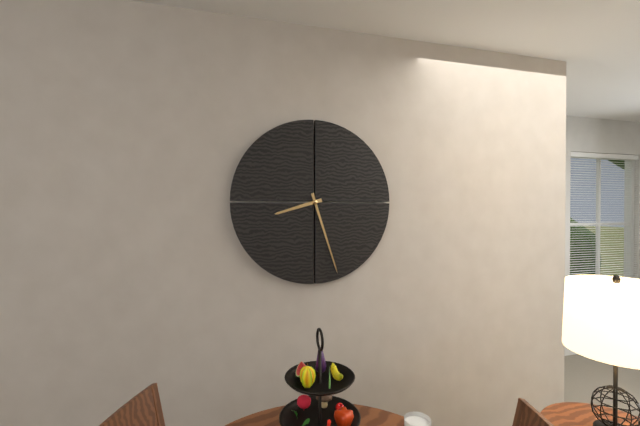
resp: 8,27
